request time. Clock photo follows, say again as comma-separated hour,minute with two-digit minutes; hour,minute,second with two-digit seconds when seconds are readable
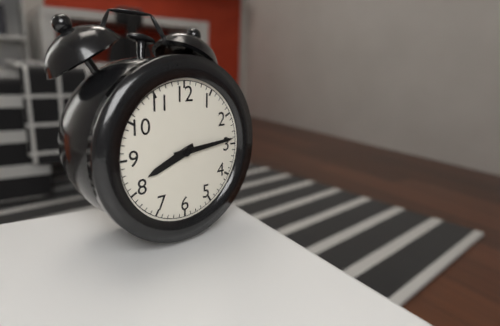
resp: 8,14
